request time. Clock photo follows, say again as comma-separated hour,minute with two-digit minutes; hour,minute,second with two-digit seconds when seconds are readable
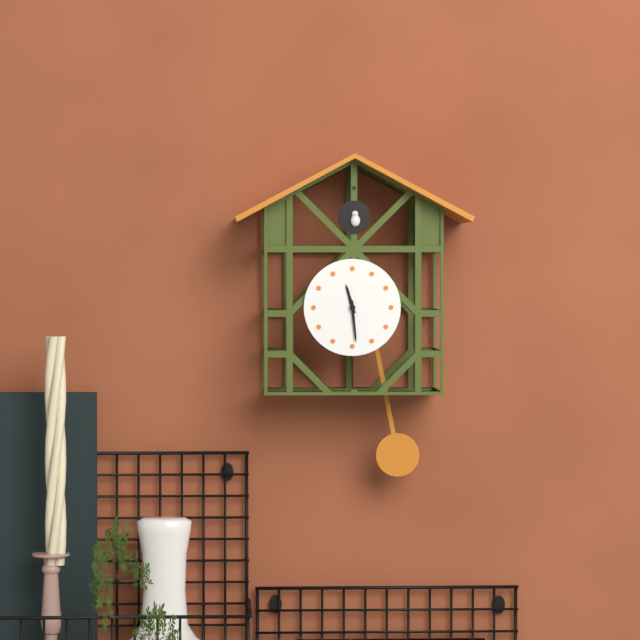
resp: 11,29
